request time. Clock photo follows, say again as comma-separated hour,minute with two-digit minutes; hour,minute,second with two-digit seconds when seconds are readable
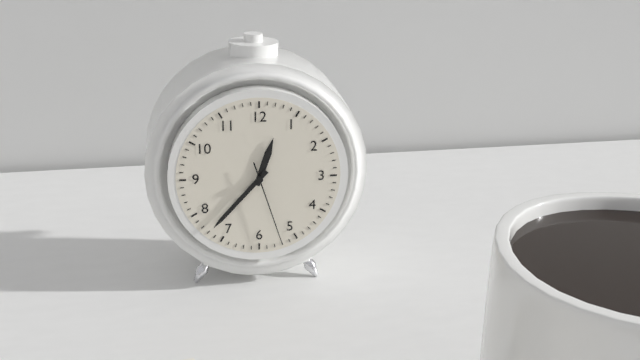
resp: 12,37,27
